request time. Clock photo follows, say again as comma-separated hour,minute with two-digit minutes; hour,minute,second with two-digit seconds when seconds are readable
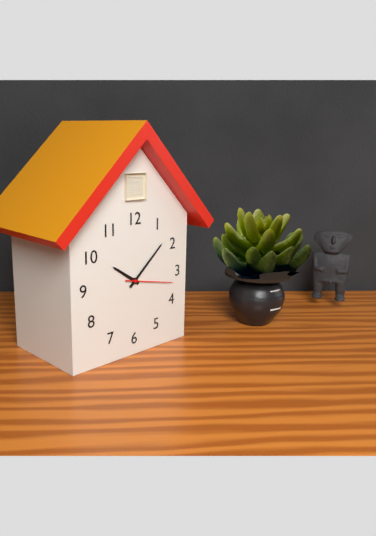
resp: 10,08
